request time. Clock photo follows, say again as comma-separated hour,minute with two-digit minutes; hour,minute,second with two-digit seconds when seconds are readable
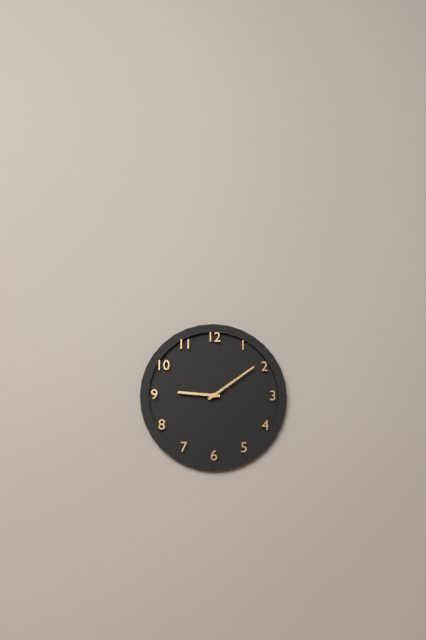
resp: 9,09
